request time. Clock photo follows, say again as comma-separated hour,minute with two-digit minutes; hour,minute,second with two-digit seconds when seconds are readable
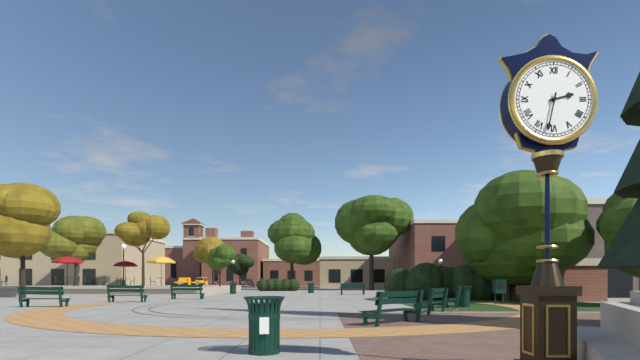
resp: 2,32
